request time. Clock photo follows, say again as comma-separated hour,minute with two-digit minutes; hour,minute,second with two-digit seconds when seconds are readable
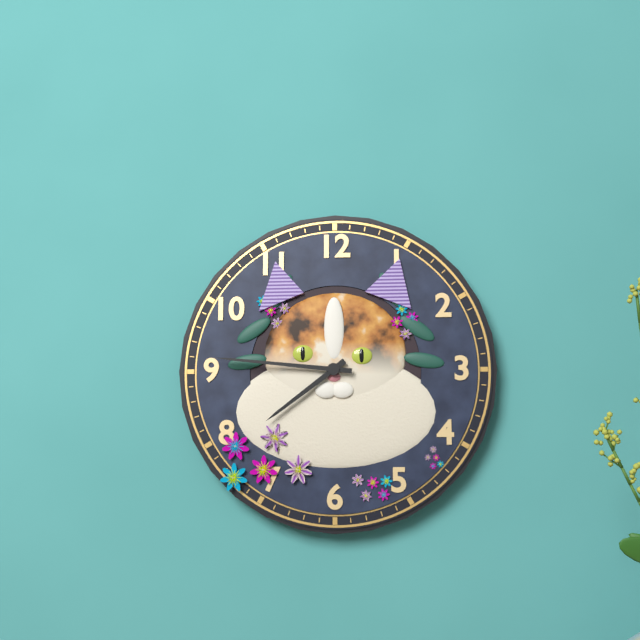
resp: 7,46
